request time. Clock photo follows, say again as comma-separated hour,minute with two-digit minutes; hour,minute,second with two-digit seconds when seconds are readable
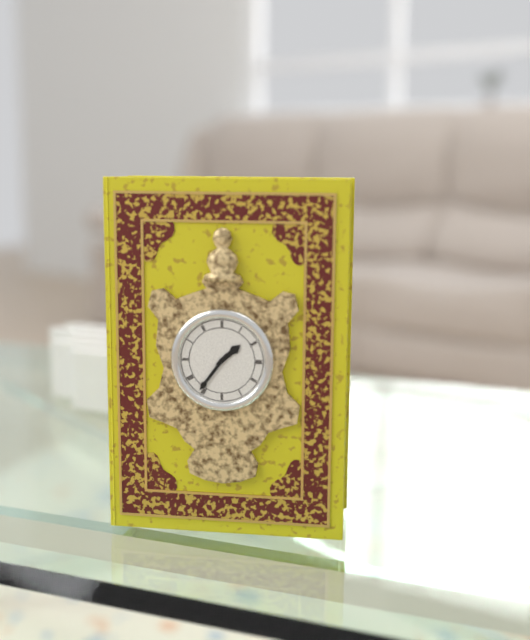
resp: 1,36
